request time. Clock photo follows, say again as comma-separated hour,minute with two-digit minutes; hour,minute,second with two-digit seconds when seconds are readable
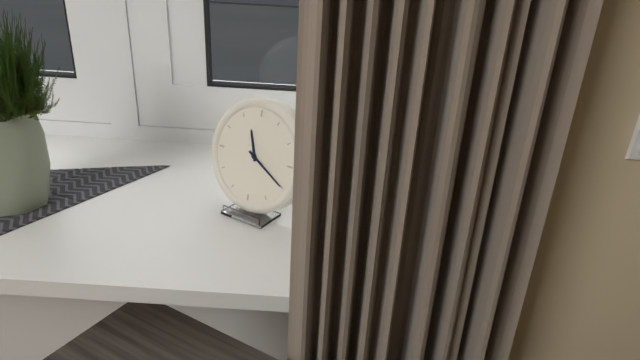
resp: 11,20
